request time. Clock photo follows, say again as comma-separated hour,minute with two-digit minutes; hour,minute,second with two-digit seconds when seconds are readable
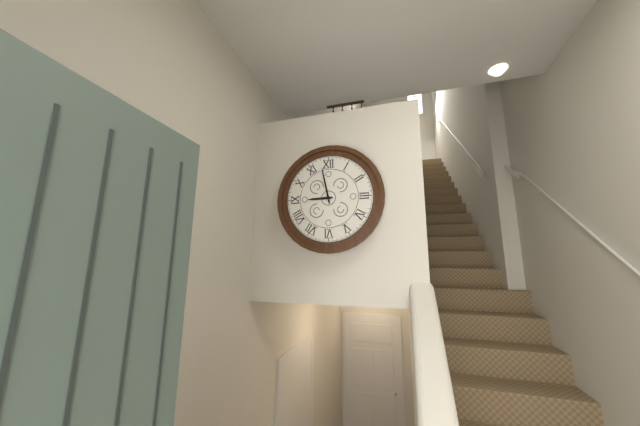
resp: 8,58
